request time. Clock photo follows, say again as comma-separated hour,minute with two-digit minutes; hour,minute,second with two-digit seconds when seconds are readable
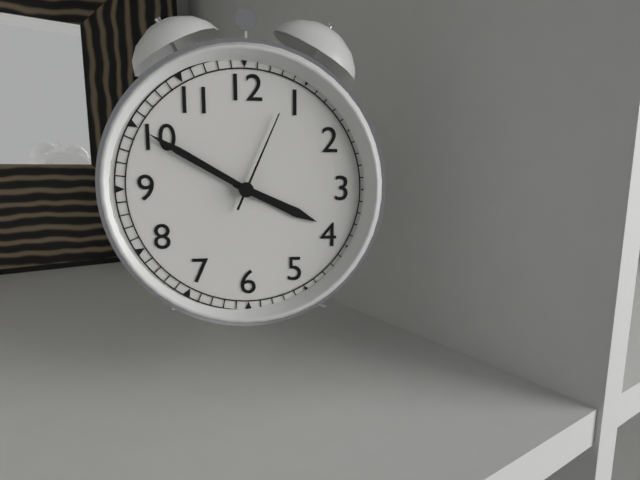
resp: 3,50,04
